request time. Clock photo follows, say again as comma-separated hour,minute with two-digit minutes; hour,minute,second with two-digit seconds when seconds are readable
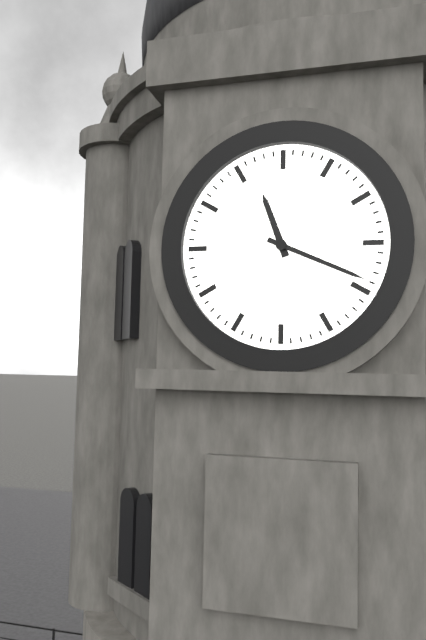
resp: 11,19
